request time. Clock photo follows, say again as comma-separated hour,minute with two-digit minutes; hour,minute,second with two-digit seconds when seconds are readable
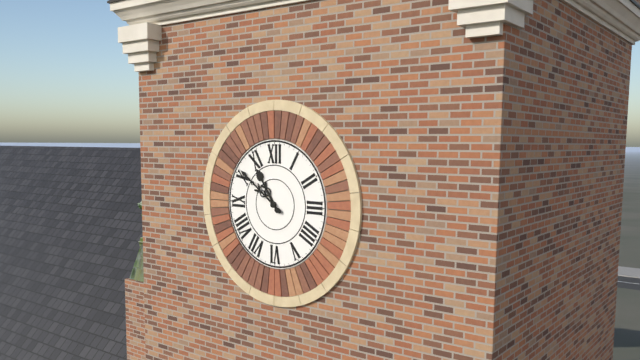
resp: 10,51
